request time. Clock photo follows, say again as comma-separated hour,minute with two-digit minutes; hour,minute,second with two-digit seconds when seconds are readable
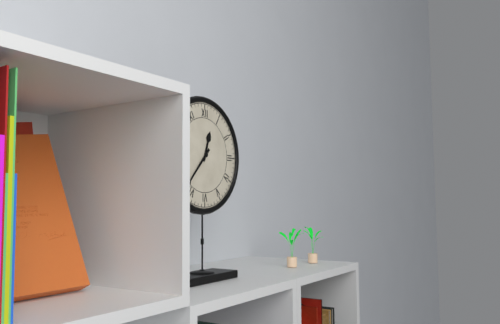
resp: 12,37
